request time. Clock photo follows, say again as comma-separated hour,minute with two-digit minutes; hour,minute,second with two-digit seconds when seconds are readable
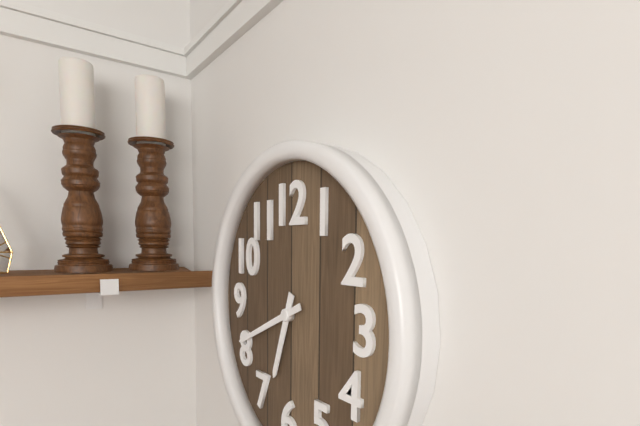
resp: 6,41
